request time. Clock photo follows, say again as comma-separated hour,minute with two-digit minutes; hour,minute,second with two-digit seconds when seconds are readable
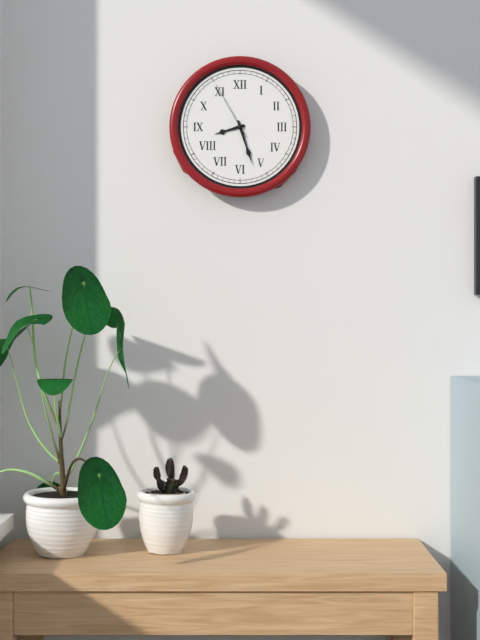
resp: 8,27,55
